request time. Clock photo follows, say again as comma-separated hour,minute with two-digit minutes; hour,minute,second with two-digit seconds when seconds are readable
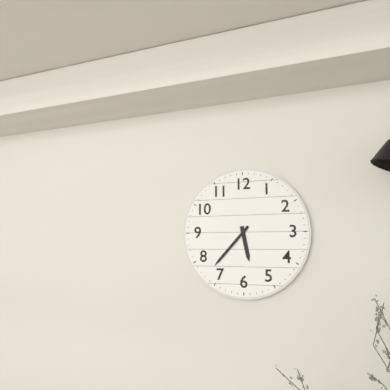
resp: 5,37
